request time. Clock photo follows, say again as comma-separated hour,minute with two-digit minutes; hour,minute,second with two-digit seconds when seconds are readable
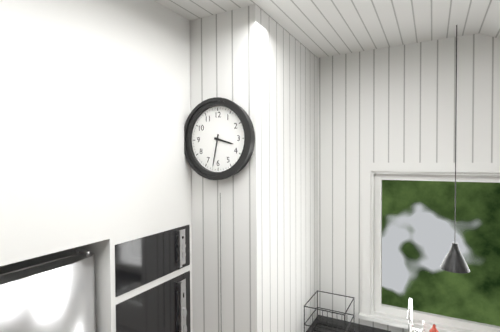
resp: 3,32
